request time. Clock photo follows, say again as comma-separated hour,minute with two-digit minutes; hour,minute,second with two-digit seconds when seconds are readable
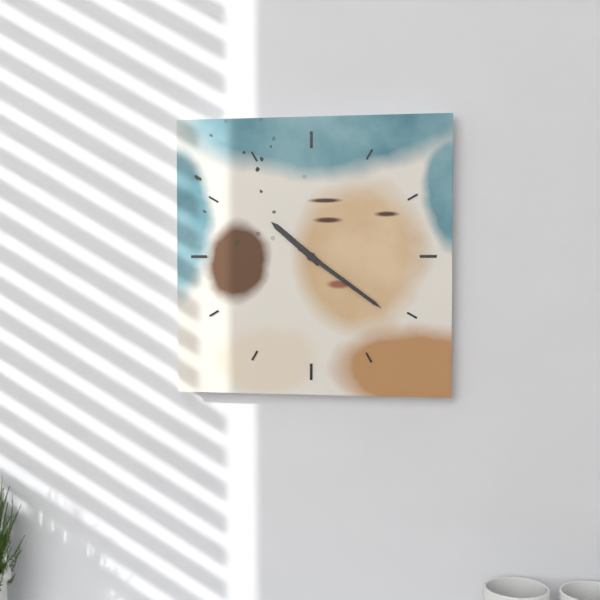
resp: 10,21
